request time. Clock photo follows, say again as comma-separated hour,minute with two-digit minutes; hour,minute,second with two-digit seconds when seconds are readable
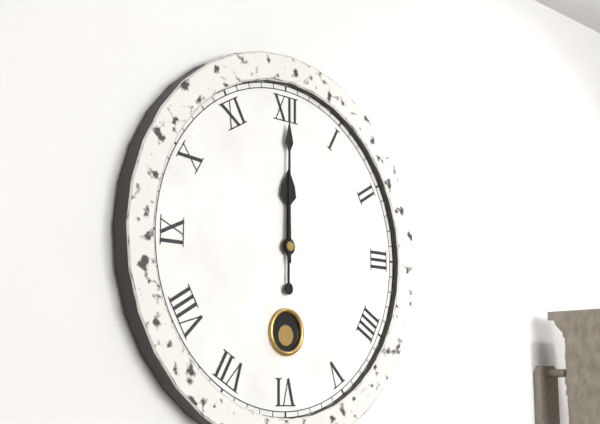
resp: 12,00
